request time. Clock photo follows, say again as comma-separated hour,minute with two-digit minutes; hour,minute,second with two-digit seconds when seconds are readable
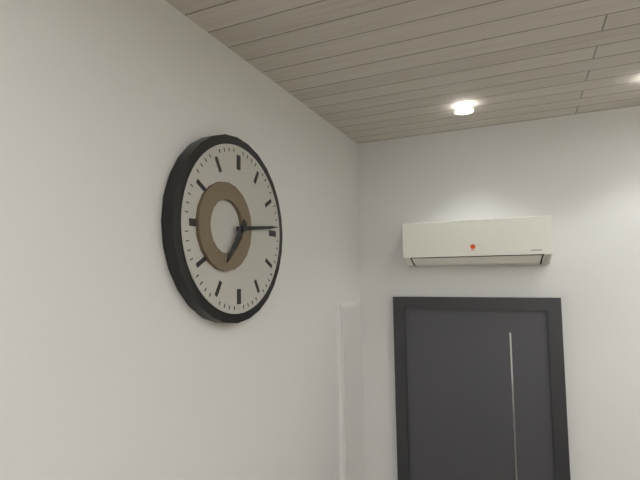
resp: 7,14
